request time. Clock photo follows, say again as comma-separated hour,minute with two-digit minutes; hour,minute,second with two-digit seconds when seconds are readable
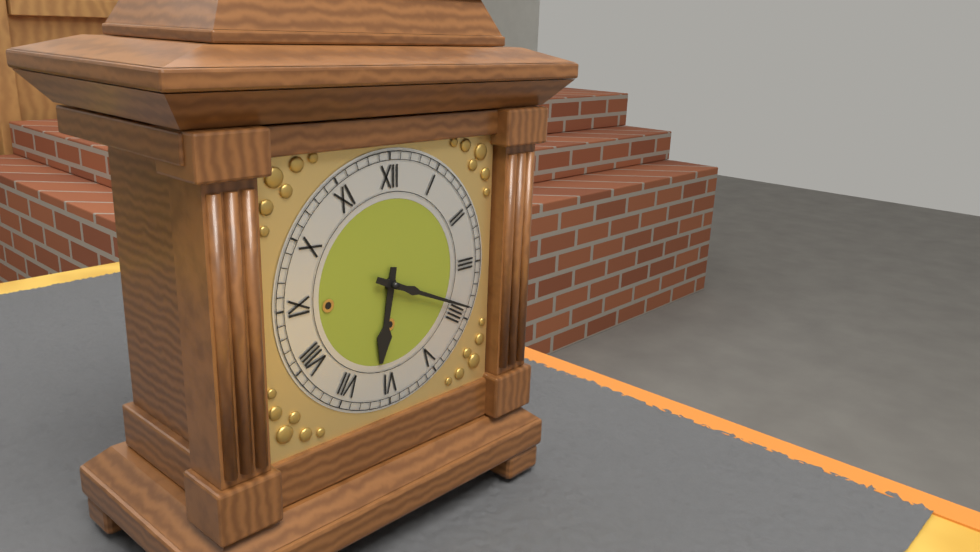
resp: 6,19
